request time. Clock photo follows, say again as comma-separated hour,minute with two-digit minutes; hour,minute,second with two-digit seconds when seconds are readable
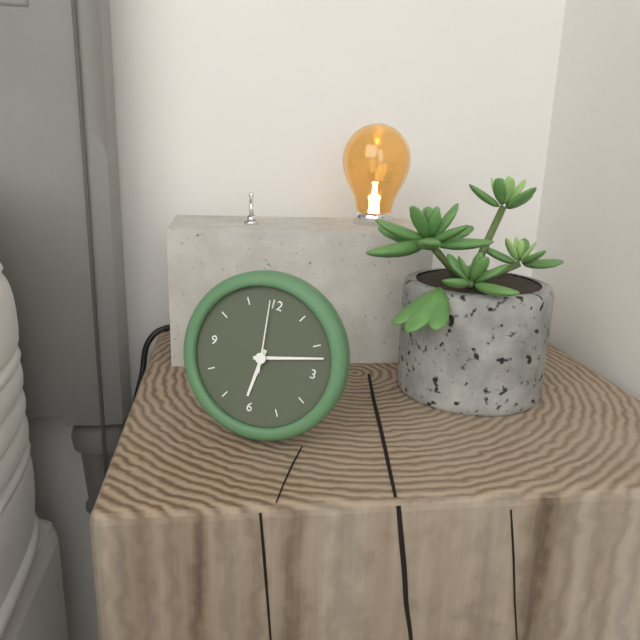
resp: 6,12,59
